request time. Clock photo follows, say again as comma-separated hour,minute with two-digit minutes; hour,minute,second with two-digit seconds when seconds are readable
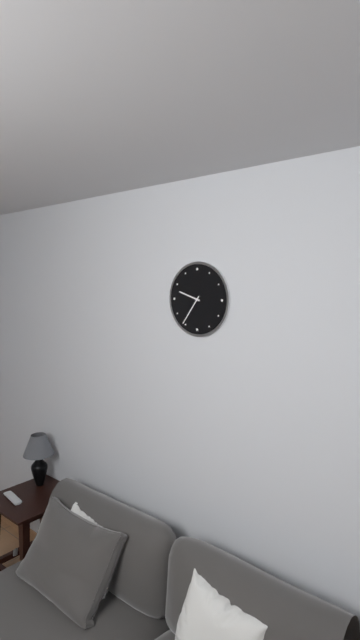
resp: 9,36
